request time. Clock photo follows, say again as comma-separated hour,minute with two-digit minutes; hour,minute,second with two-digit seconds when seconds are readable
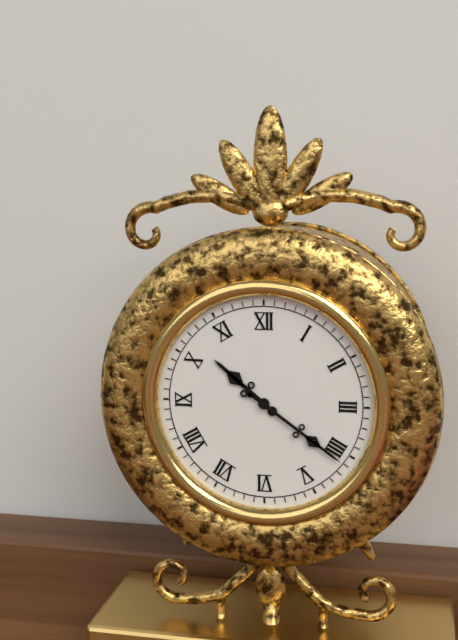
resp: 10,21
